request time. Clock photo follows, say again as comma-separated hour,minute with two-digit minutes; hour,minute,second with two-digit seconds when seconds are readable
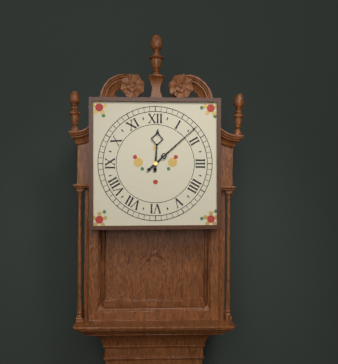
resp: 12,08
